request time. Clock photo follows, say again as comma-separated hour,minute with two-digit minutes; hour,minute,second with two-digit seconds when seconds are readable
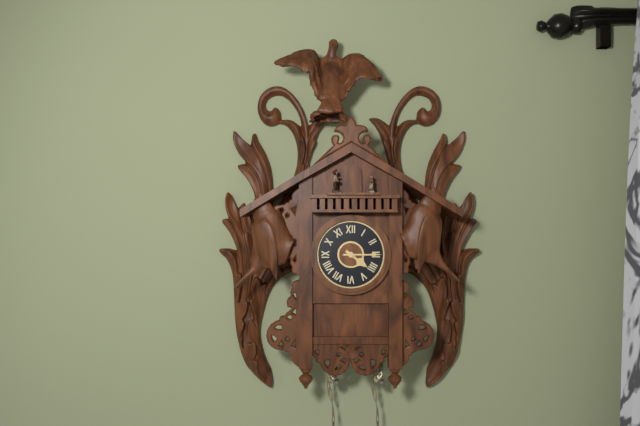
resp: 4,15
